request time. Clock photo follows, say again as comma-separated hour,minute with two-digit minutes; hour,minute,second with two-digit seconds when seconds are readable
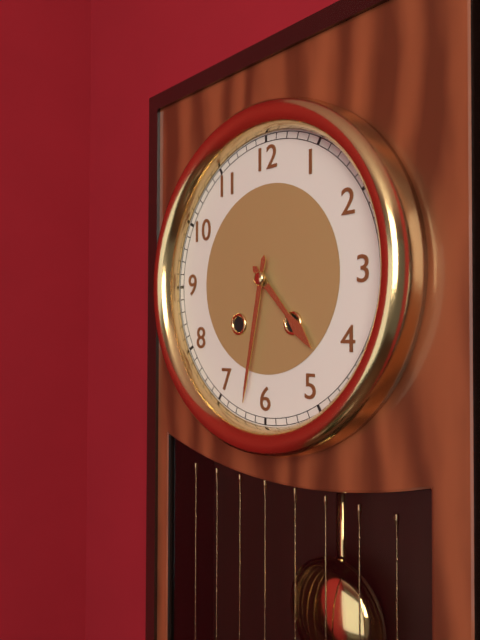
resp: 4,32
